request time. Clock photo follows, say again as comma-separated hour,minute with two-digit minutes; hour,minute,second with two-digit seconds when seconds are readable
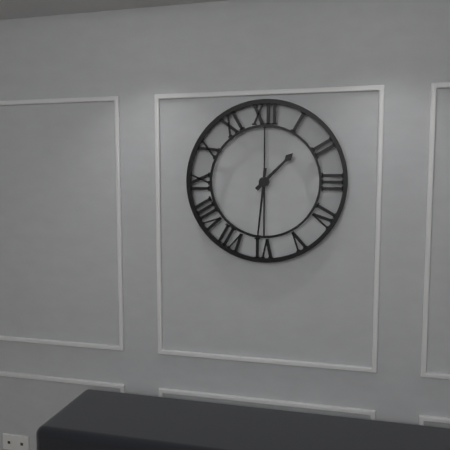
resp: 1,31
